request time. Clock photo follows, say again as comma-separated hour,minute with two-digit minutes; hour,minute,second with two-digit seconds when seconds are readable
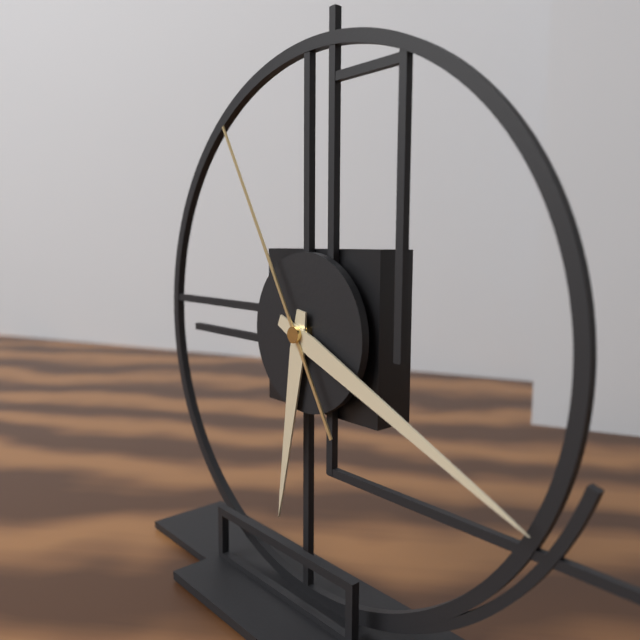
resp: 6,19,55
